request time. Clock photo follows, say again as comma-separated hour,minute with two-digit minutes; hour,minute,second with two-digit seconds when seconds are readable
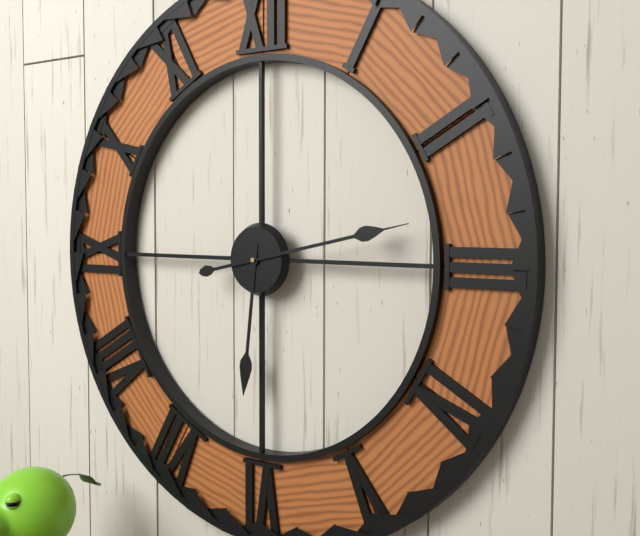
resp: 6,13
